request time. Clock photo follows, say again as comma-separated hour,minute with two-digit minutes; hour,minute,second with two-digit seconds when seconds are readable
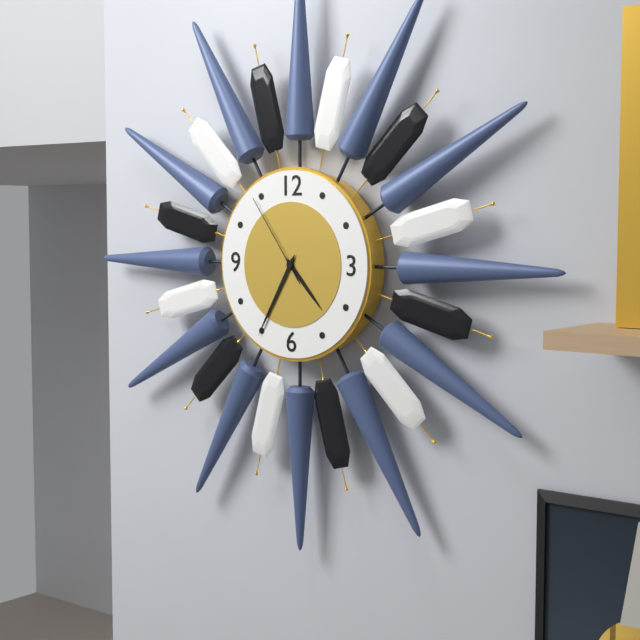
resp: 4,35,54
